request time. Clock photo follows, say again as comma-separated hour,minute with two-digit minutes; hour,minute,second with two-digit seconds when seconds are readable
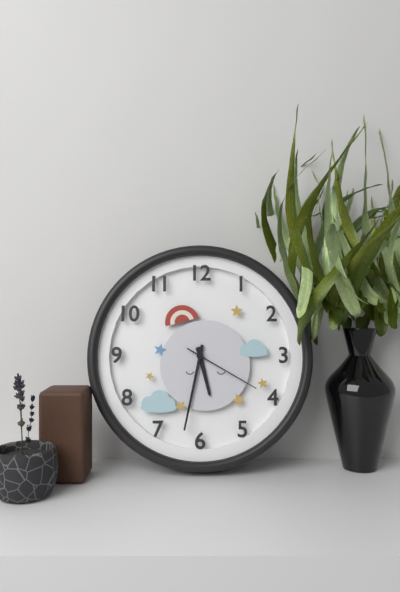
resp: 5,32,20
